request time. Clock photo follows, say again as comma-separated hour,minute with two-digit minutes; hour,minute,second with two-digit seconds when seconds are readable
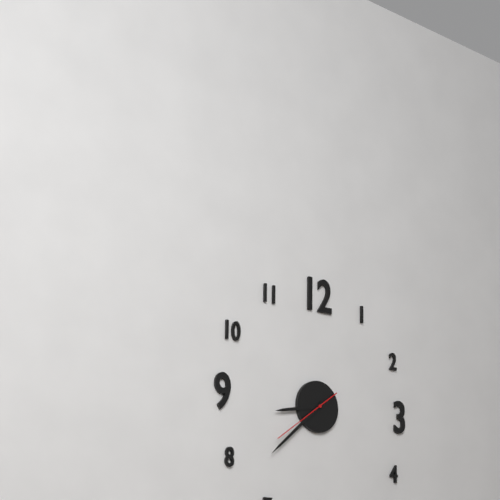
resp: 8,38,39
